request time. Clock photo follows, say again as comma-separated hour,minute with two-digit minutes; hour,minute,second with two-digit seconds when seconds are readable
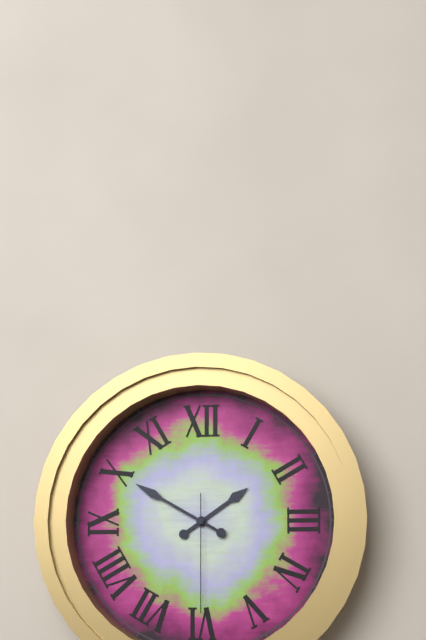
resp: 1,50,30
